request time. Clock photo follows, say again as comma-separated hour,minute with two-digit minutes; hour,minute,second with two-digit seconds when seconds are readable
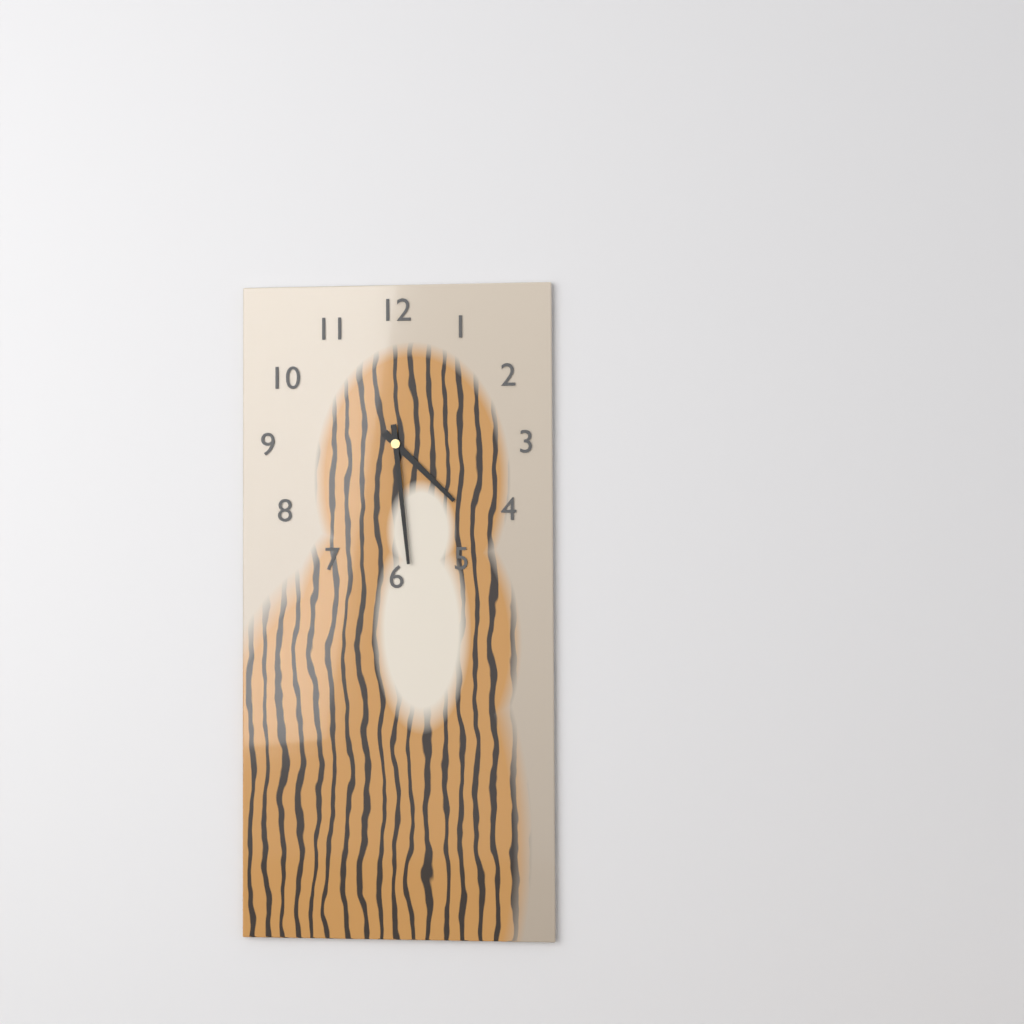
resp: 4,29
